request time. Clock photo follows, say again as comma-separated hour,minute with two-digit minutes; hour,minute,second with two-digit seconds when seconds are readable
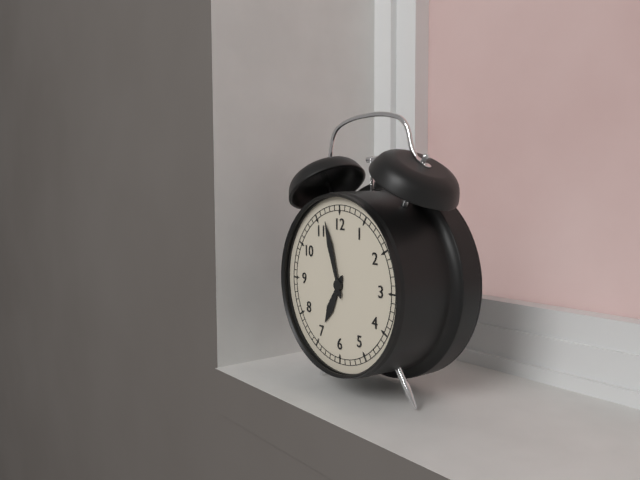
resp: 6,57
